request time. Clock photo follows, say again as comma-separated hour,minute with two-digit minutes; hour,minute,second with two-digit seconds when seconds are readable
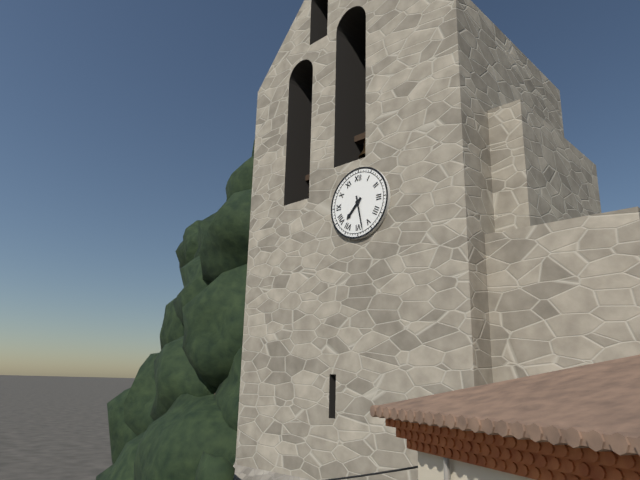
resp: 7,28
